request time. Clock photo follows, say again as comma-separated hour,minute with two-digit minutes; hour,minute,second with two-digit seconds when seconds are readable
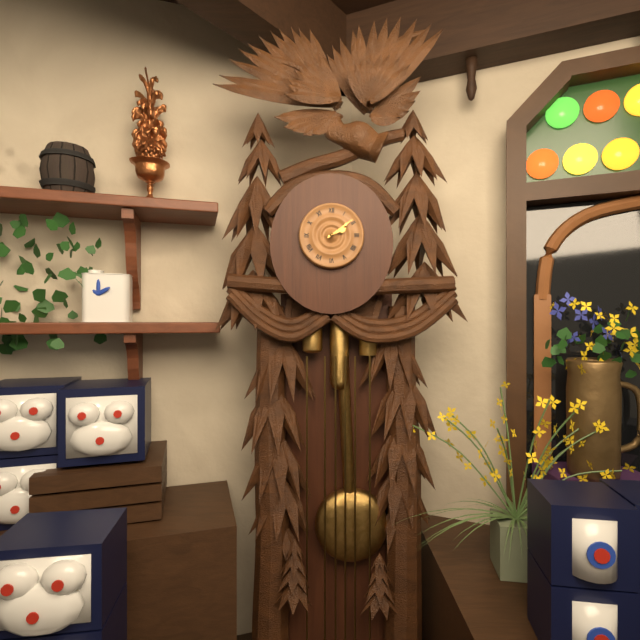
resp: 2,09
